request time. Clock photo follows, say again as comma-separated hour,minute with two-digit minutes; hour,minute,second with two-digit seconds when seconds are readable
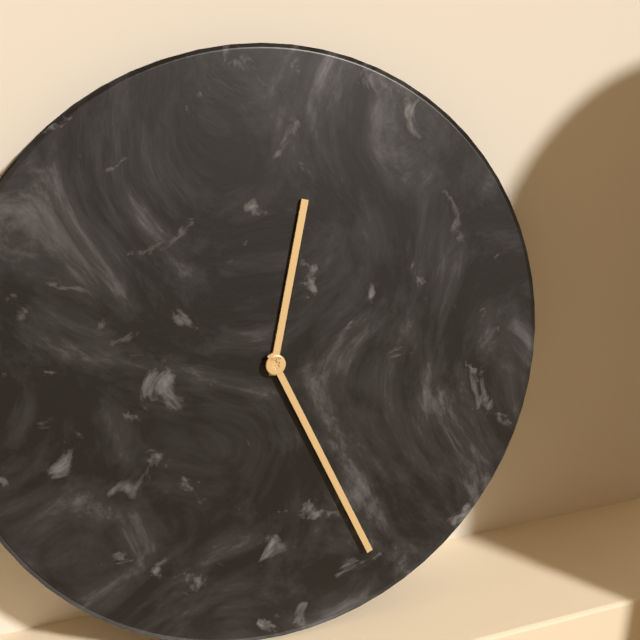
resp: 12,26
